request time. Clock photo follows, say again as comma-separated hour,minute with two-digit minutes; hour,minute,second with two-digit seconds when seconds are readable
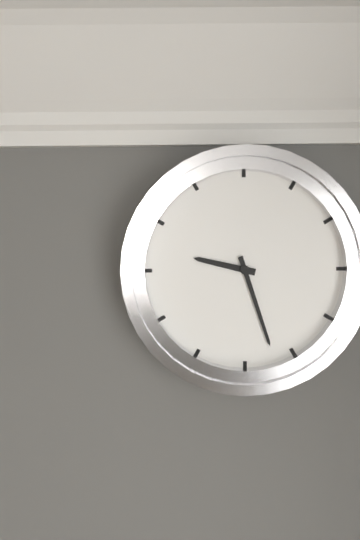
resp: 9,27
